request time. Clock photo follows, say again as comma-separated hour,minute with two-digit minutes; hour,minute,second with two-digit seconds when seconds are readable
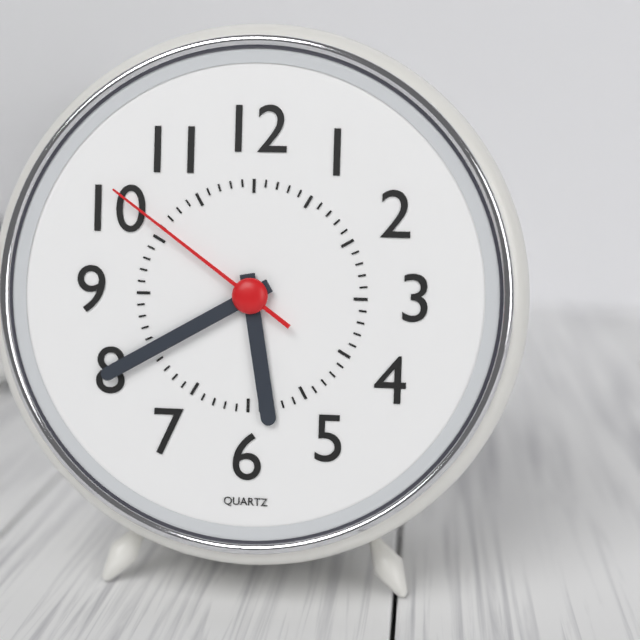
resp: 5,40,51
